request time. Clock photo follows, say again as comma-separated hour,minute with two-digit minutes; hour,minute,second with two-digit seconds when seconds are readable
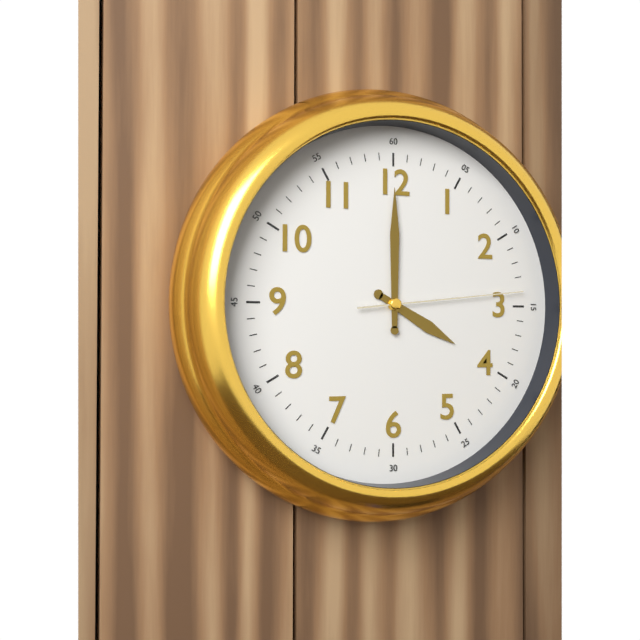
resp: 4,00,14
